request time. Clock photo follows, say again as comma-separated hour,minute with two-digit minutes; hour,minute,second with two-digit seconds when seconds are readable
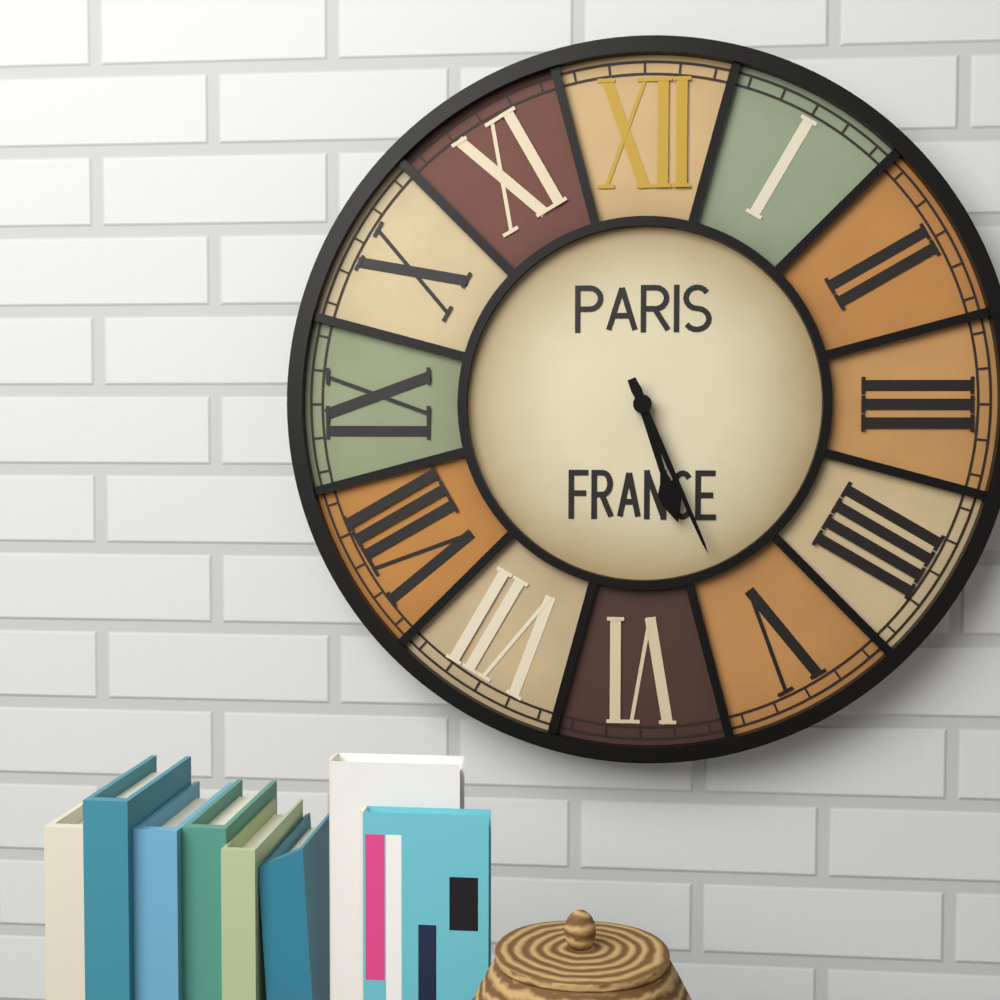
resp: 5,26
